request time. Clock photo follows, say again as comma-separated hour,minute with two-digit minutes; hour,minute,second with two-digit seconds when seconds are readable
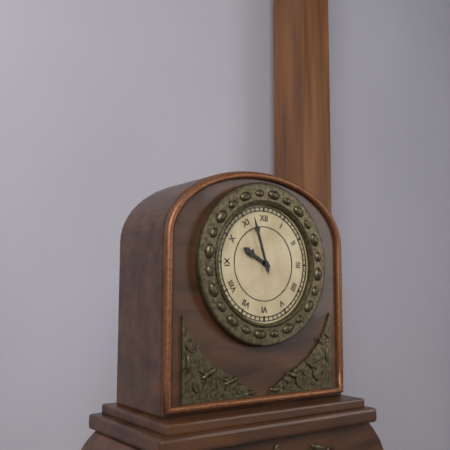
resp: 9,57
